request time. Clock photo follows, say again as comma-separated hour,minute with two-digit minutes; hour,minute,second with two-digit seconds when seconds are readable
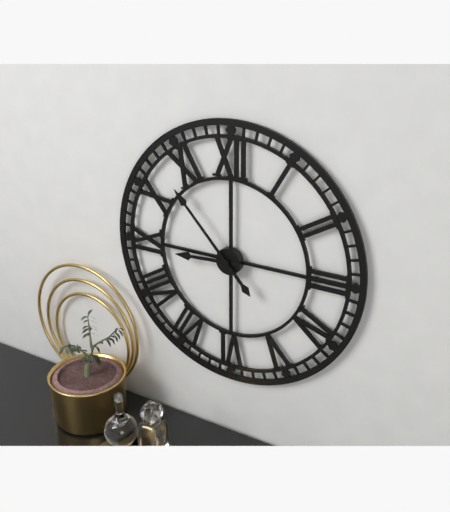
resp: 8,53
